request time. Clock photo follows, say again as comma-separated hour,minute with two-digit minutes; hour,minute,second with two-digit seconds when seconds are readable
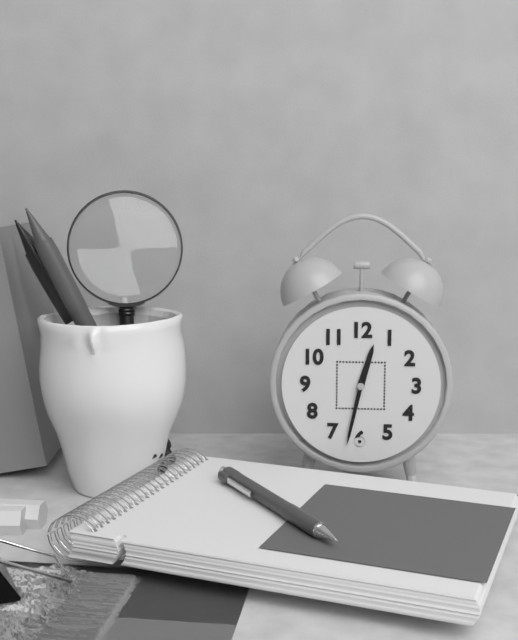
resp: 12,32
